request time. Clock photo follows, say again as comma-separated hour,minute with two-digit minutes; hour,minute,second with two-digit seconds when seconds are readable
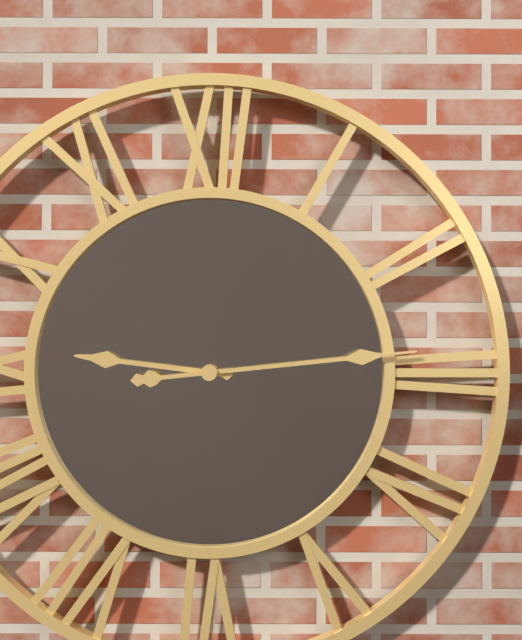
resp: 9,14
